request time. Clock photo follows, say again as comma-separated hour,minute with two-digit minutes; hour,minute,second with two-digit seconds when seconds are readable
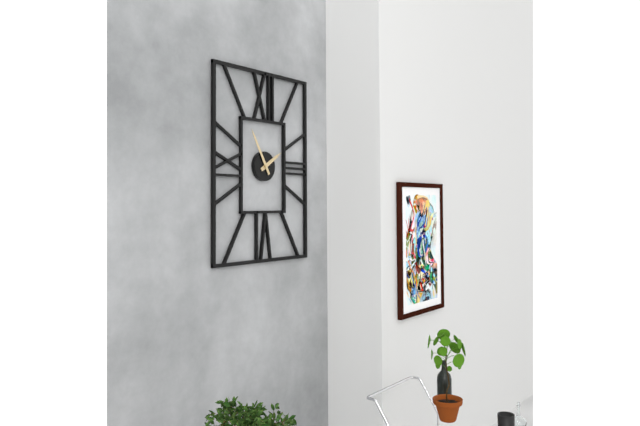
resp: 1,55
